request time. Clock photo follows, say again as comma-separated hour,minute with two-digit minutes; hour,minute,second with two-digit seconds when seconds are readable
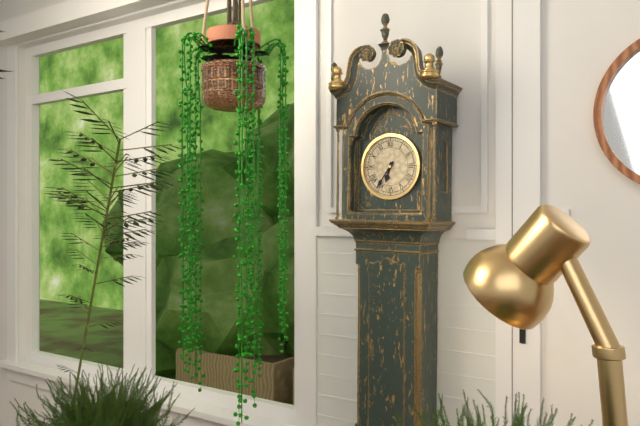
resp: 6,36
